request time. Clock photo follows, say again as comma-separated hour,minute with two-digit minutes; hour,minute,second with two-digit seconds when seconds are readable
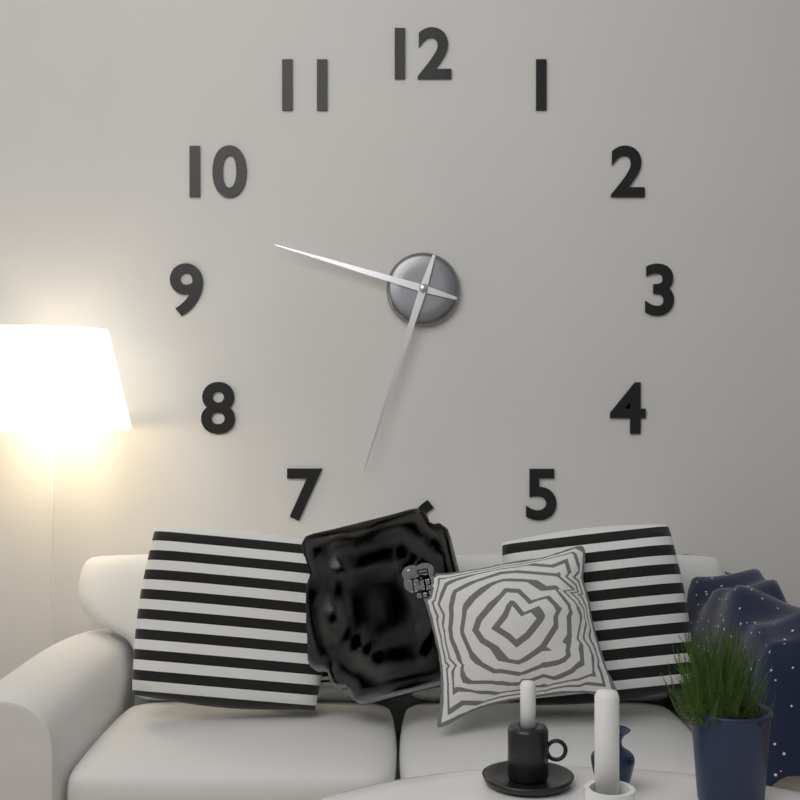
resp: 9,33
